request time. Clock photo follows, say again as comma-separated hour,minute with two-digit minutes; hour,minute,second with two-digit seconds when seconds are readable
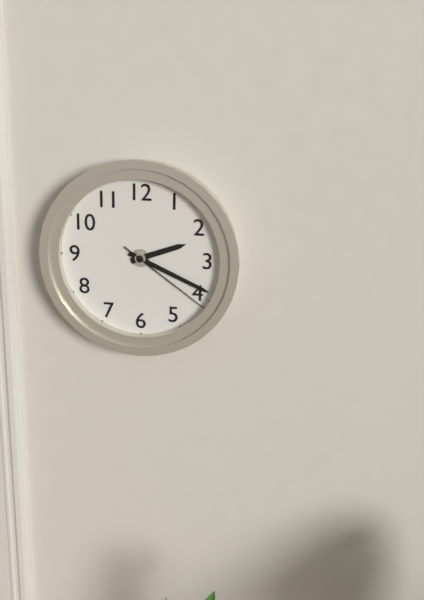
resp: 2,19,21
